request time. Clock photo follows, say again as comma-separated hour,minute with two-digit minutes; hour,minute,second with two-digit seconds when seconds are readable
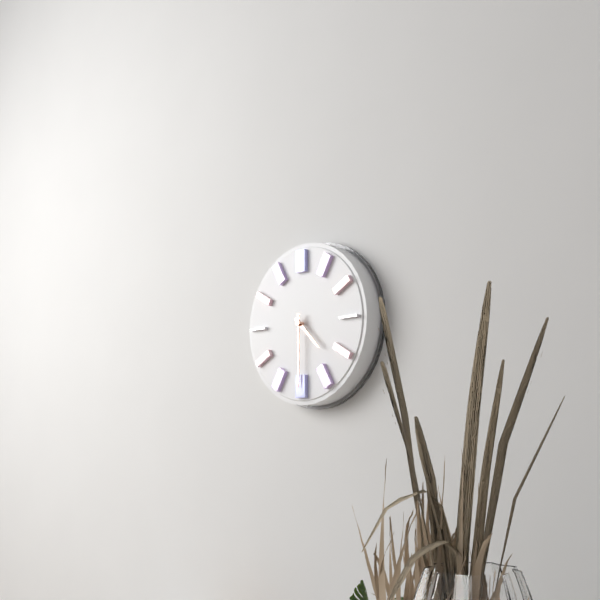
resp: 4,30
